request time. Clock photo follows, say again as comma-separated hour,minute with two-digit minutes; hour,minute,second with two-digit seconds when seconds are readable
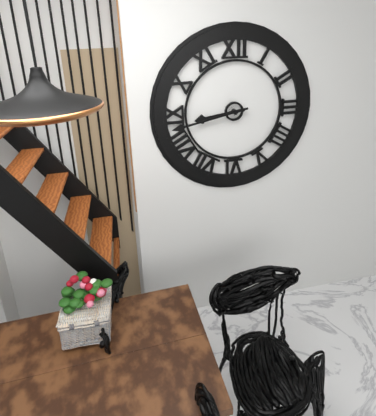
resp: 8,43
